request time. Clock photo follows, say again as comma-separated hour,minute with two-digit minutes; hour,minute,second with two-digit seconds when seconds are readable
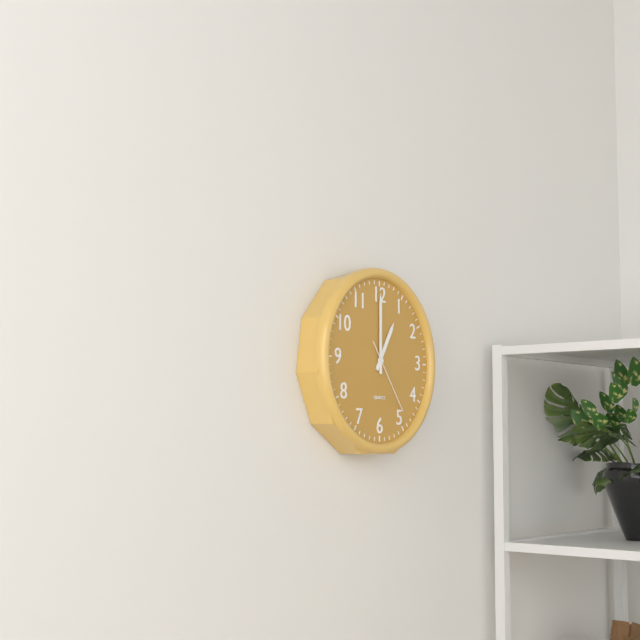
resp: 1,00,24
